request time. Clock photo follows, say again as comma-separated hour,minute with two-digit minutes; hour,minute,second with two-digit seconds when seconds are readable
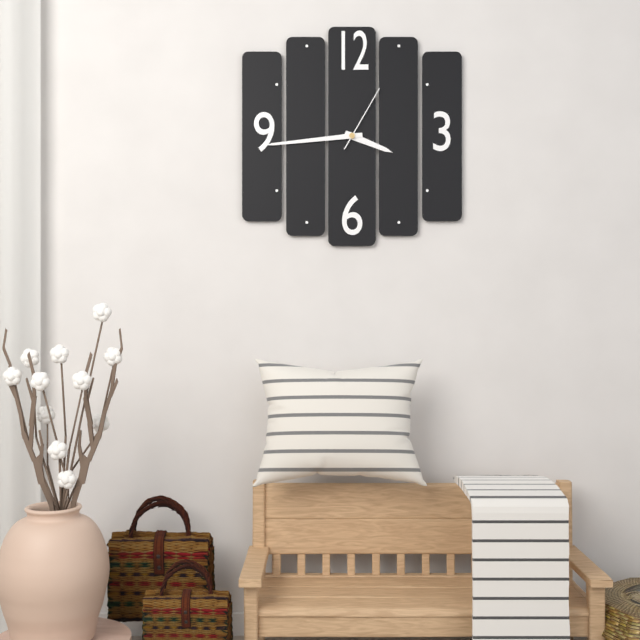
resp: 3,44,05
